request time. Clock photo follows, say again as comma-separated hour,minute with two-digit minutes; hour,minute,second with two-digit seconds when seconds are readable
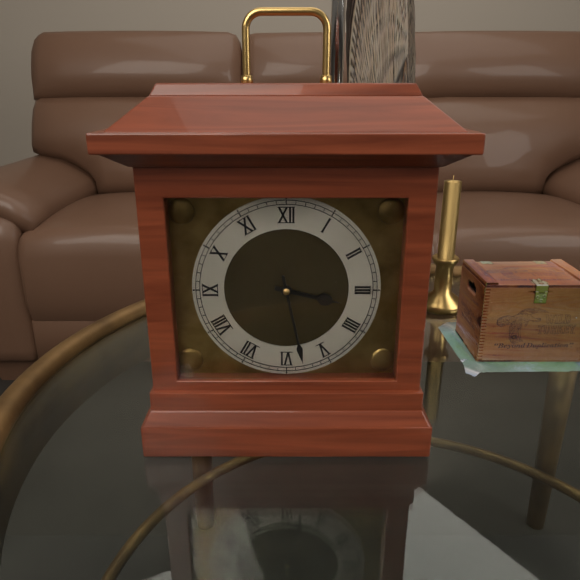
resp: 3,28
